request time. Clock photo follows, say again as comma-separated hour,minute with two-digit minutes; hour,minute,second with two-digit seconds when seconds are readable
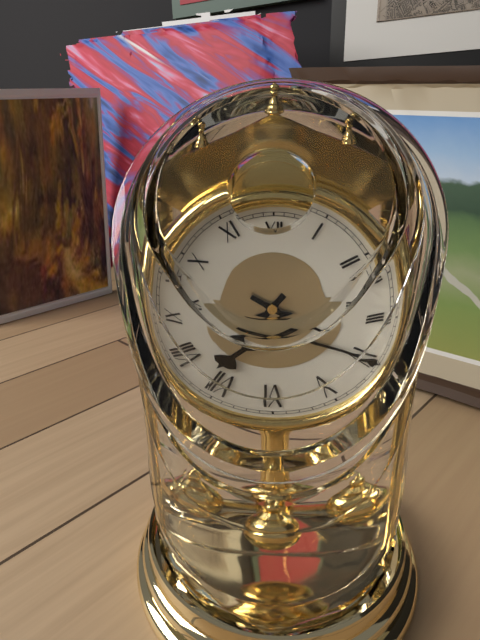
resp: 7,20
